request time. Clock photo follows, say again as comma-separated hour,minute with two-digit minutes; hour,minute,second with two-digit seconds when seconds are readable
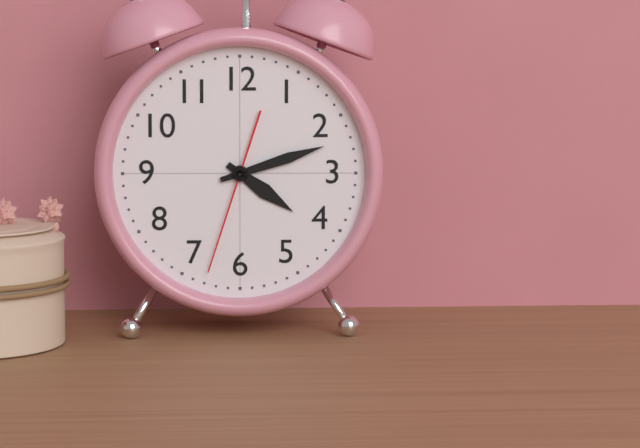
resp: 4,12,33
